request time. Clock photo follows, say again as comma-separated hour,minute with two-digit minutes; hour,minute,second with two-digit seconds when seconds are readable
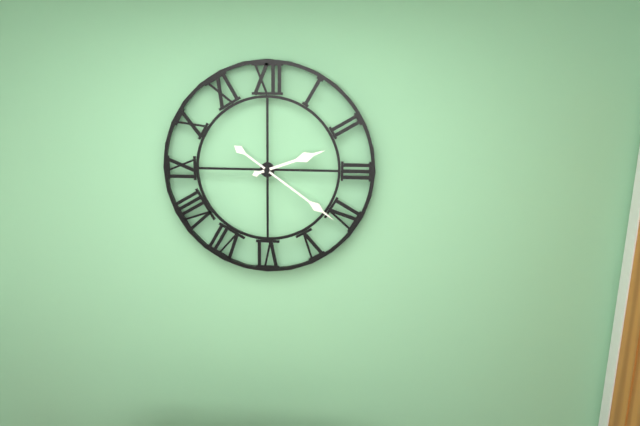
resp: 2,21
